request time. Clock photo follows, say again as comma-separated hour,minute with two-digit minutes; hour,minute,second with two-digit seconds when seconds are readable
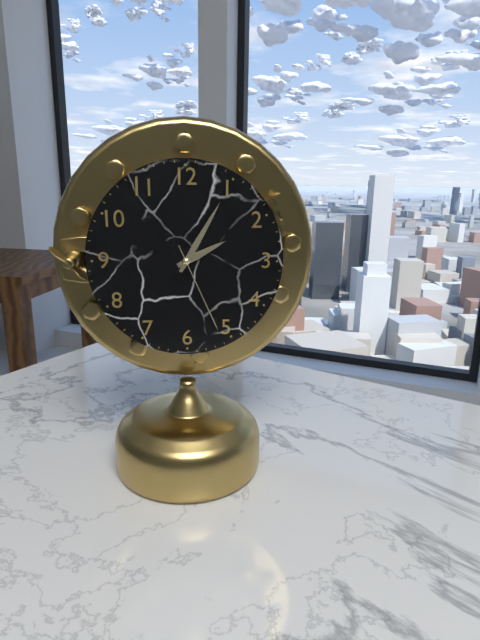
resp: 2,05,26
